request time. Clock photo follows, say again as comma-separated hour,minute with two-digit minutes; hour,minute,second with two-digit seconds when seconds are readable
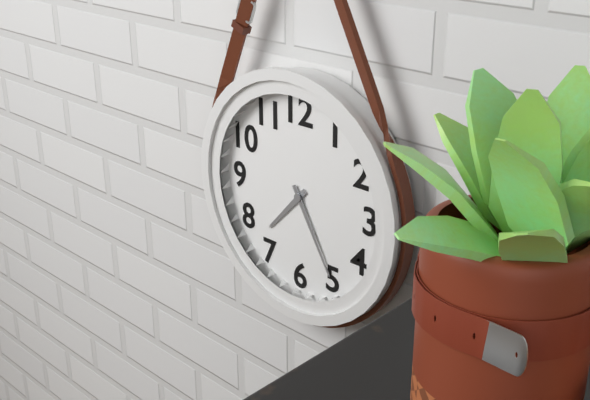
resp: 7,25
